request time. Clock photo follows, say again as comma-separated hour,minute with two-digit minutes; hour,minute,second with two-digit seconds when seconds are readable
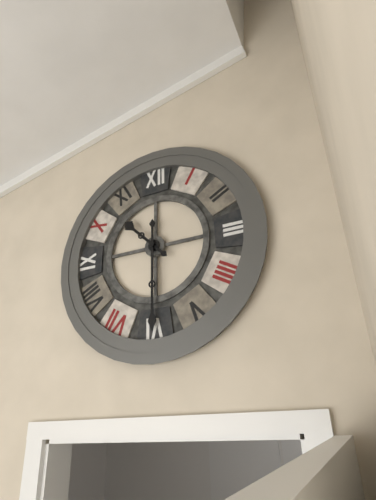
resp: 10,30
